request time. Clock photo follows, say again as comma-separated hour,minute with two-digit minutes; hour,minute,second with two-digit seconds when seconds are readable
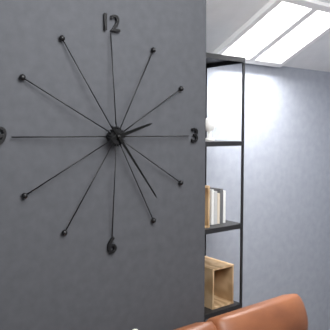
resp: 2,24
